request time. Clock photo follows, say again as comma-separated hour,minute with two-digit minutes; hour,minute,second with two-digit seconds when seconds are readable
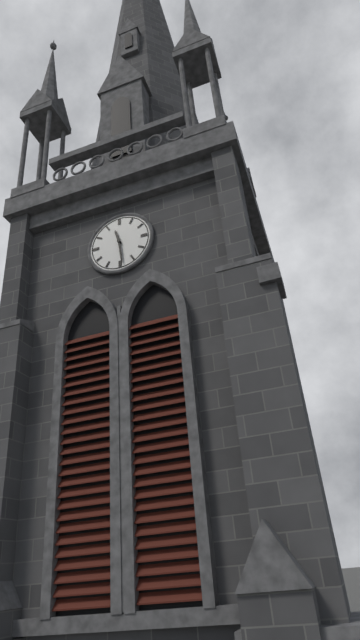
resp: 11,29
